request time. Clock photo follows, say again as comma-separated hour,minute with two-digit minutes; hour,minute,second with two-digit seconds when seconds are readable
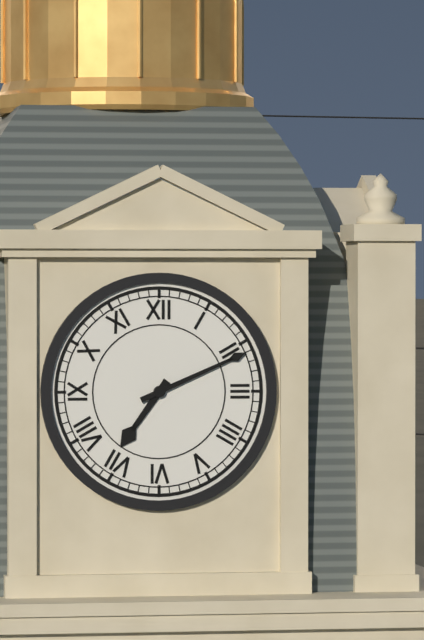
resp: 7,11
